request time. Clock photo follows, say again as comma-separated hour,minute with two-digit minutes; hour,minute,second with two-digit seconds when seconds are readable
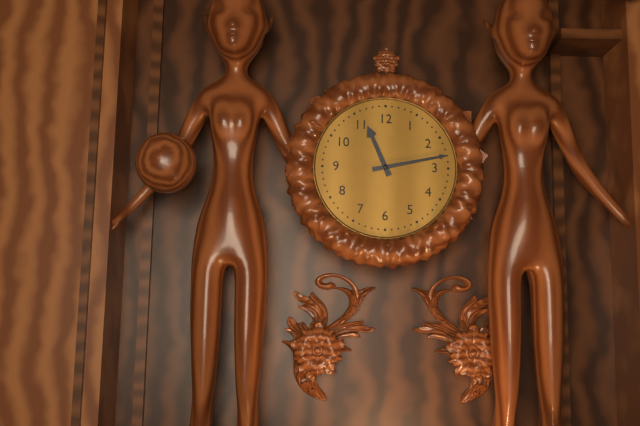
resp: 11,13
